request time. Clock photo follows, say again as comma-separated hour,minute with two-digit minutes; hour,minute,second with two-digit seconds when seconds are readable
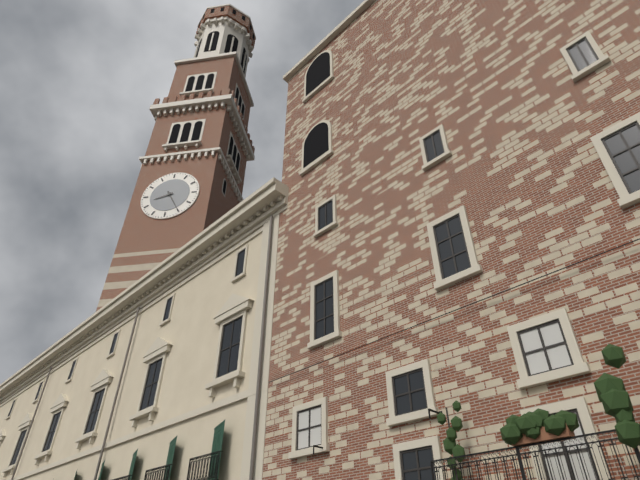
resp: 8,25
